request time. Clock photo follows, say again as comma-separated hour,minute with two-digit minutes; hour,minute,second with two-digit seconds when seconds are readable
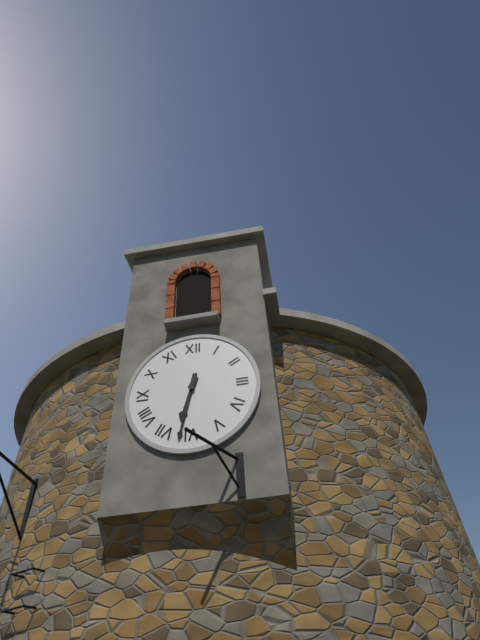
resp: 6,32
